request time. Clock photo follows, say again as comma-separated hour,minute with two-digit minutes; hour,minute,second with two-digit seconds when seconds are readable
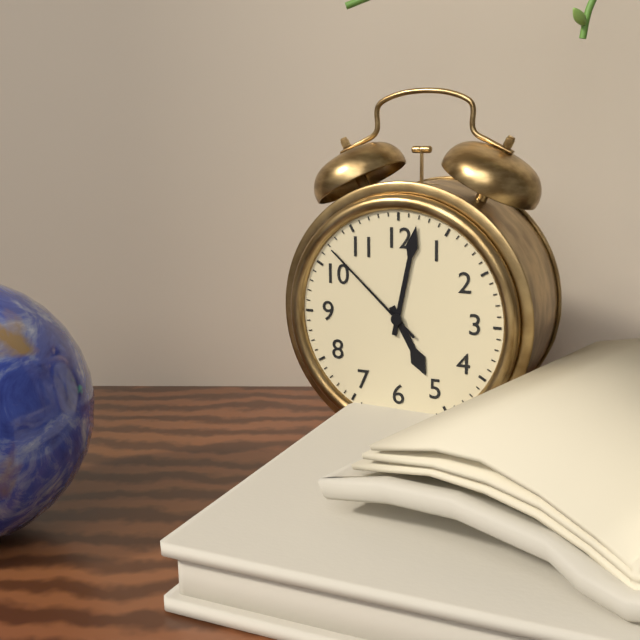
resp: 5,02,52
